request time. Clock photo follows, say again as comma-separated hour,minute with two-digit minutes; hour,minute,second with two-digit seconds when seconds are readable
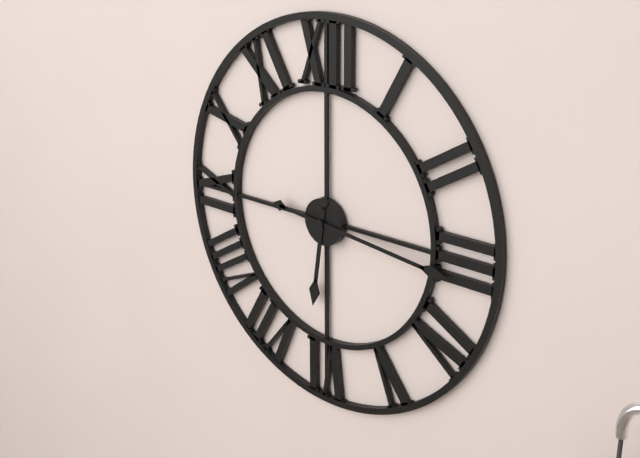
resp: 6,16
